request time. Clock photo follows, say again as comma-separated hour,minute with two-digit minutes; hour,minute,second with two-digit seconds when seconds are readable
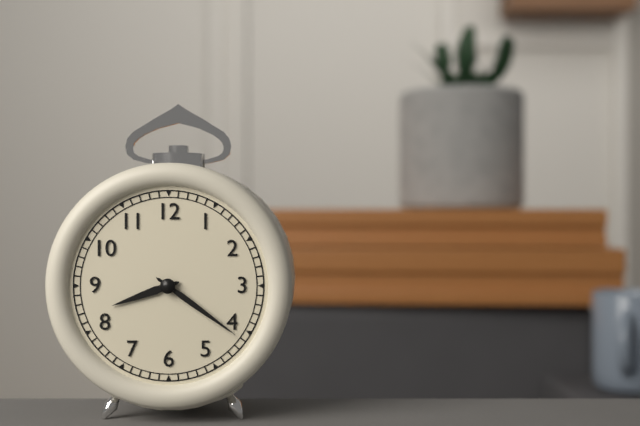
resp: 8,21
